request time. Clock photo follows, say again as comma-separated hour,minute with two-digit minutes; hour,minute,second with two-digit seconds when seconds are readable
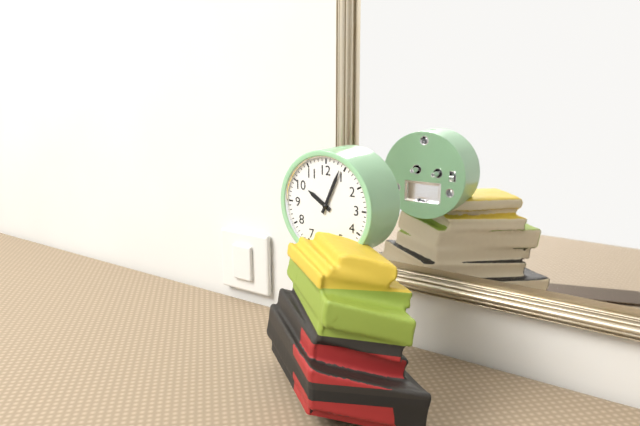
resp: 10,04
